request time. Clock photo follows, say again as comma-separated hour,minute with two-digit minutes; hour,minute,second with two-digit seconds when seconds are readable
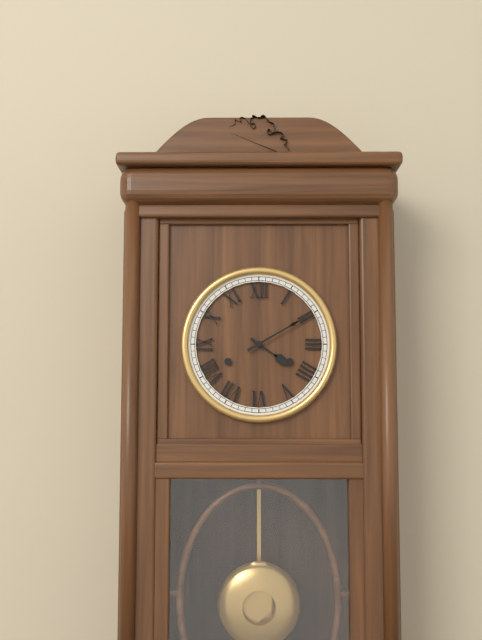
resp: 4,10
